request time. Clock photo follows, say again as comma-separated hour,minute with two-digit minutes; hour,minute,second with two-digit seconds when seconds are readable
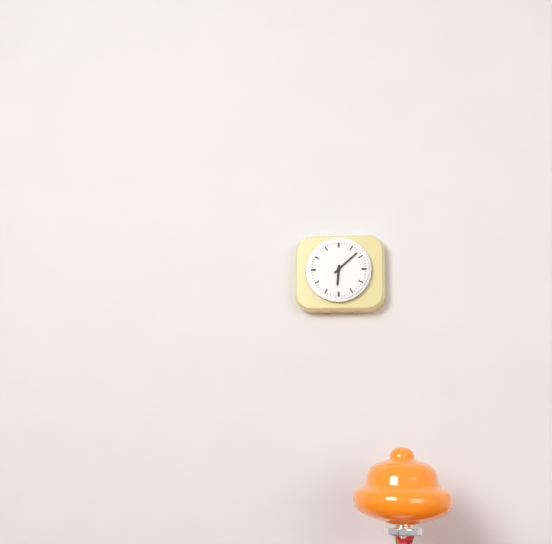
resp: 6,08
